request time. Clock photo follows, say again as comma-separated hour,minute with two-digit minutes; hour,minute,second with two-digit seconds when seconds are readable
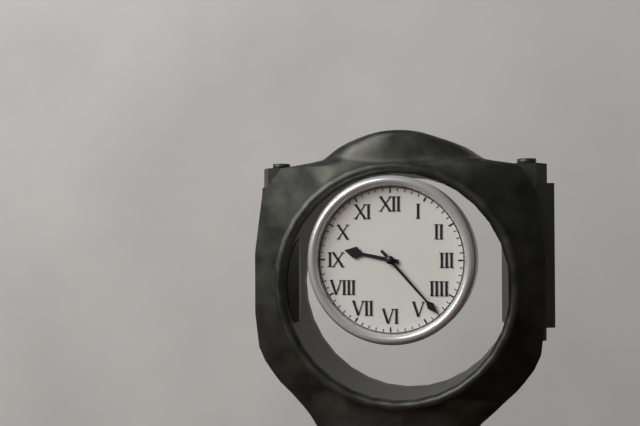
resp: 9,23
